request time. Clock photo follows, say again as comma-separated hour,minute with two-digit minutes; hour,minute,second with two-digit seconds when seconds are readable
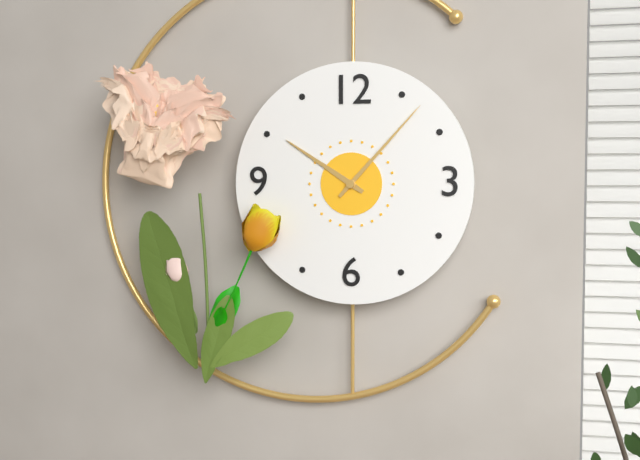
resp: 10,07
